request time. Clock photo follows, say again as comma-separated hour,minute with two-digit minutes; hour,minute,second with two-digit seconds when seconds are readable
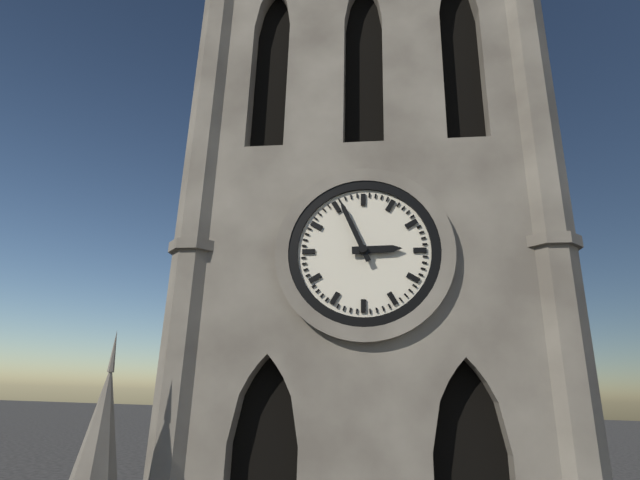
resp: 2,56
